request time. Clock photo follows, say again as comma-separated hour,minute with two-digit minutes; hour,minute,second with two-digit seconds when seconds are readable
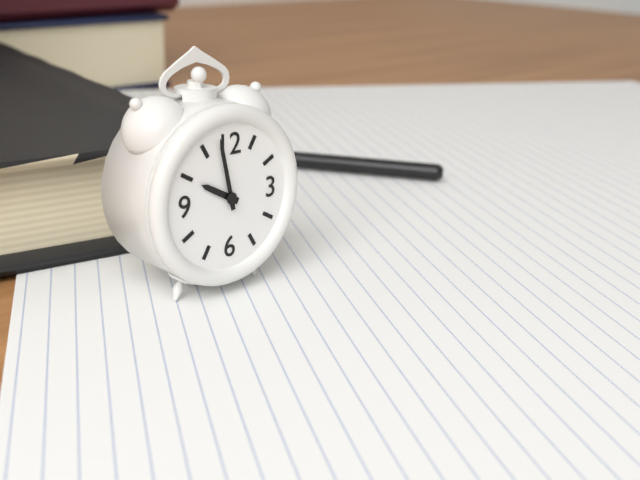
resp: 9,58
